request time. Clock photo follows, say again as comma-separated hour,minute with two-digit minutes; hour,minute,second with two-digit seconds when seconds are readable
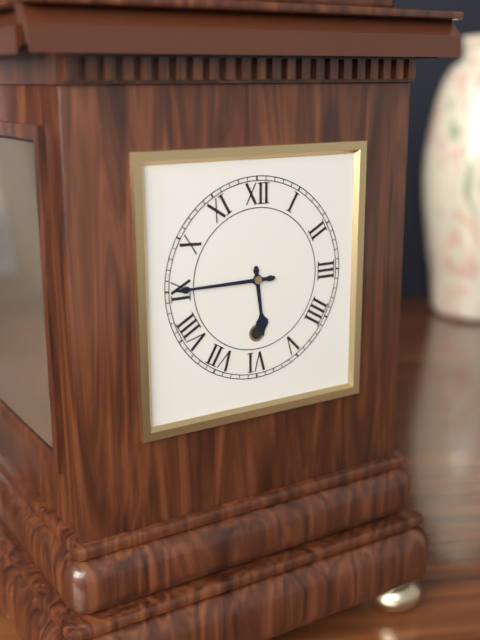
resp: 5,45
